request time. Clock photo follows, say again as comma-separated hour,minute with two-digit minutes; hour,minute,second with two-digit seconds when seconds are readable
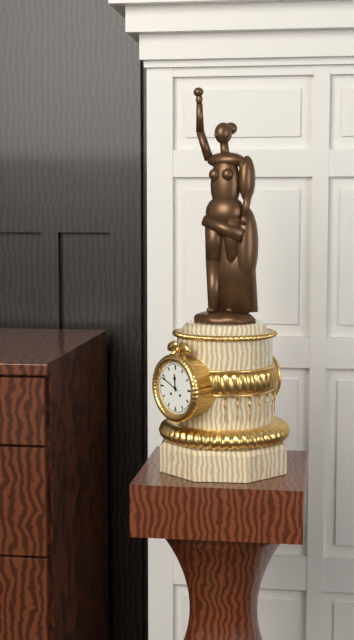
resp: 11,49
